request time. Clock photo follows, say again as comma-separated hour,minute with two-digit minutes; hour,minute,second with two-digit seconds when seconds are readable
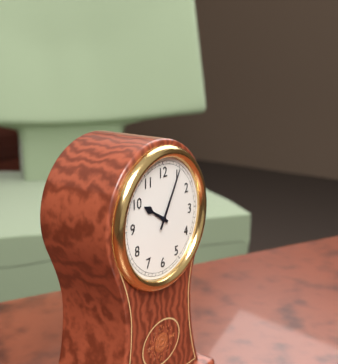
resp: 10,05
